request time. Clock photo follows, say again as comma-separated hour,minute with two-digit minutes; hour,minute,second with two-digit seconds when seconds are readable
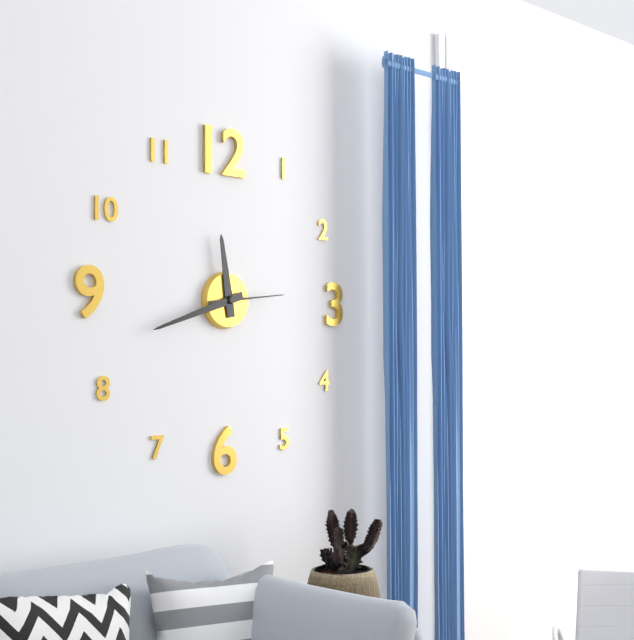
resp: 11,42,14
